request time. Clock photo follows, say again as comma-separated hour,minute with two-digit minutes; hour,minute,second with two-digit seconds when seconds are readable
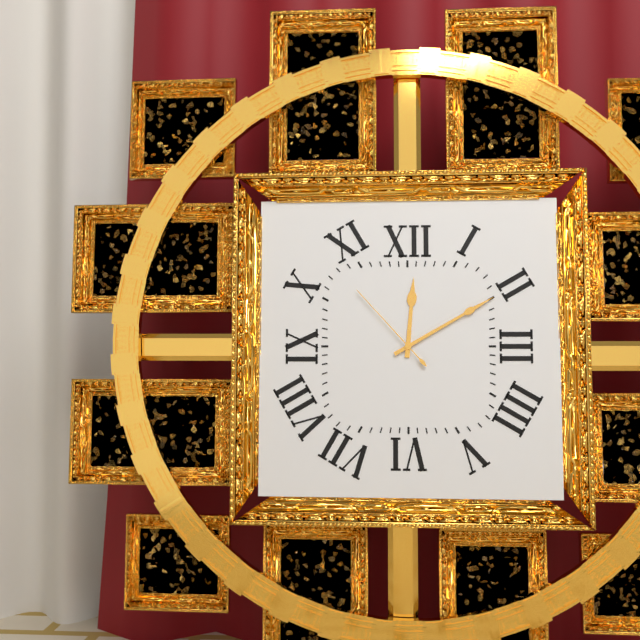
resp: 12,10,53
